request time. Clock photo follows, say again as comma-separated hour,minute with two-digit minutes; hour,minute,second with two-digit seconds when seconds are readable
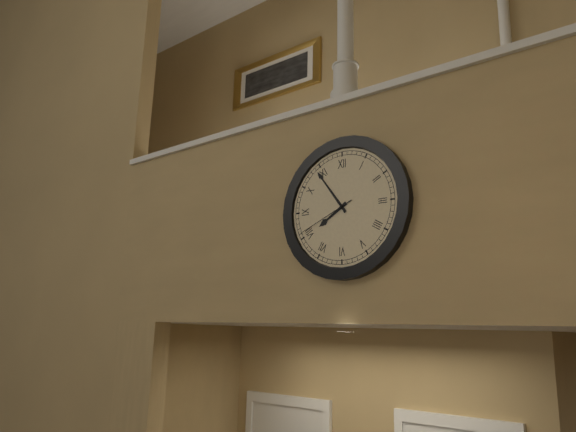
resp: 7,54,41
